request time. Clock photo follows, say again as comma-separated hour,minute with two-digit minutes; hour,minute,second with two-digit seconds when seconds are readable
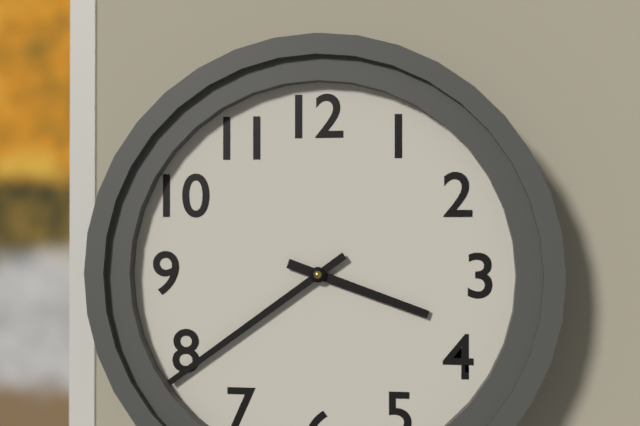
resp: 3,39
